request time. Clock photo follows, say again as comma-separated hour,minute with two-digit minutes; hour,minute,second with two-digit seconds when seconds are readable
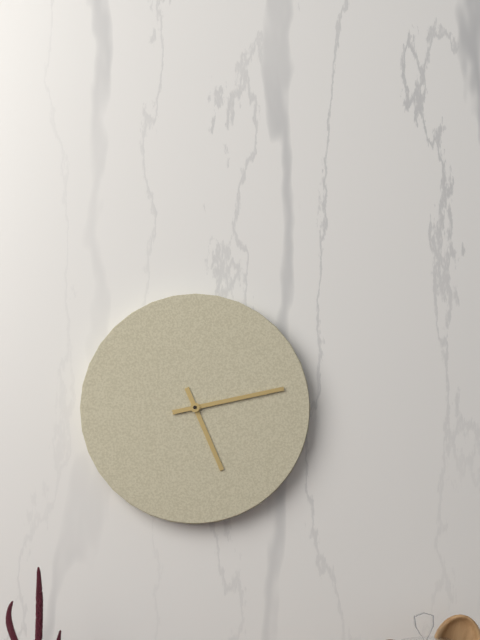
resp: 5,13
